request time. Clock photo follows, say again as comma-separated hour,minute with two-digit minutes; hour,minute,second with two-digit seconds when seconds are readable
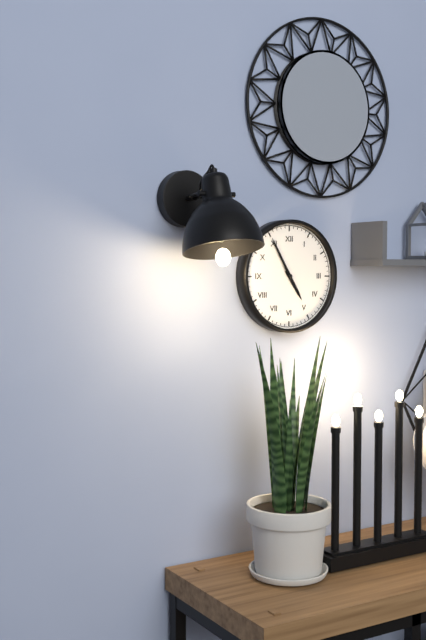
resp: 4,55
